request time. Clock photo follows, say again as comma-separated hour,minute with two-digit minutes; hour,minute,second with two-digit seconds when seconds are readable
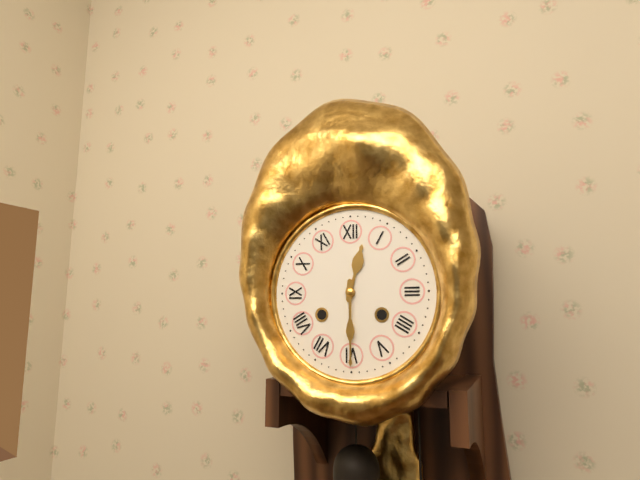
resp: 12,30
